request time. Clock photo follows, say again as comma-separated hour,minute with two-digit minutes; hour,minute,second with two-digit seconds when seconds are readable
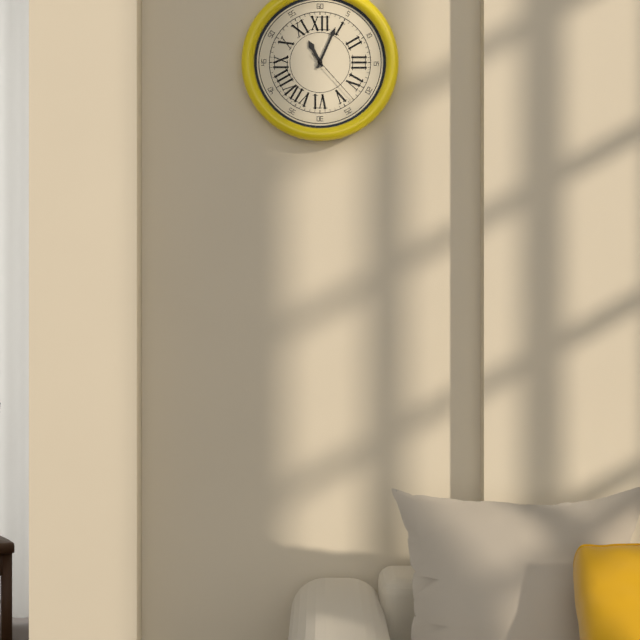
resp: 11,04,23
